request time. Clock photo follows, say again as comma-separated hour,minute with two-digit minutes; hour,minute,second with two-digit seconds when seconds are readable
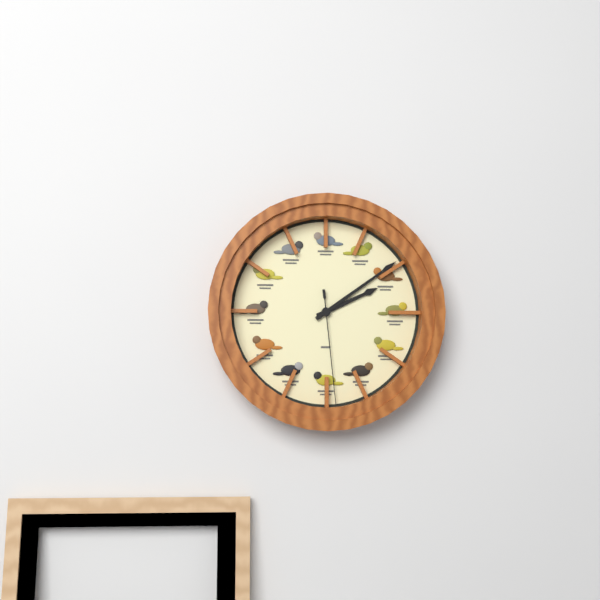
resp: 2,09,29
